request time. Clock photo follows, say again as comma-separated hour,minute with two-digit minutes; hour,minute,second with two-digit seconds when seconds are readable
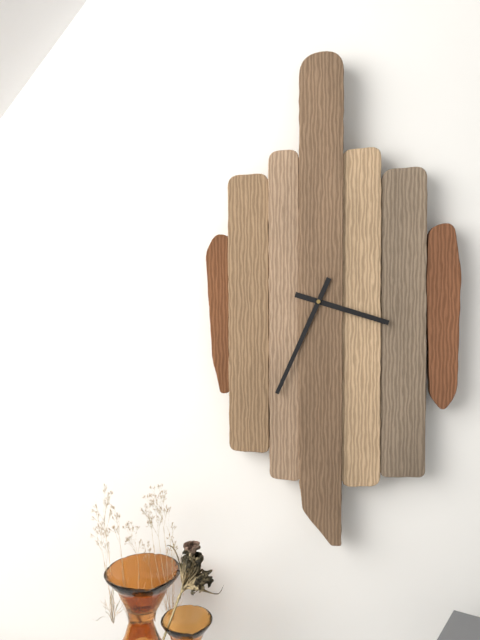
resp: 3,34
